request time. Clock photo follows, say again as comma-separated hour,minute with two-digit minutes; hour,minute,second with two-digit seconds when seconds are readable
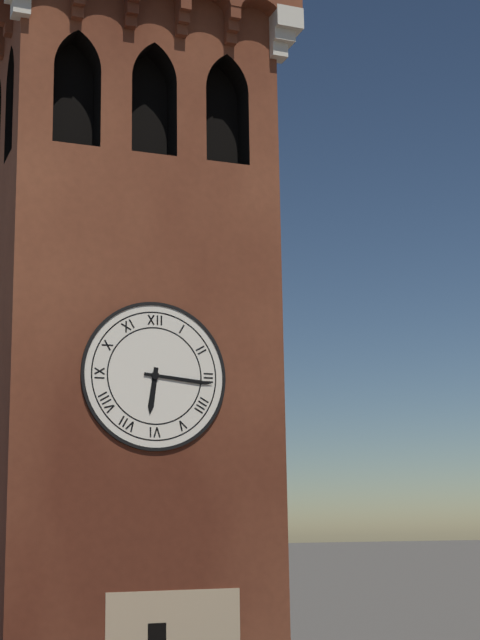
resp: 6,16
